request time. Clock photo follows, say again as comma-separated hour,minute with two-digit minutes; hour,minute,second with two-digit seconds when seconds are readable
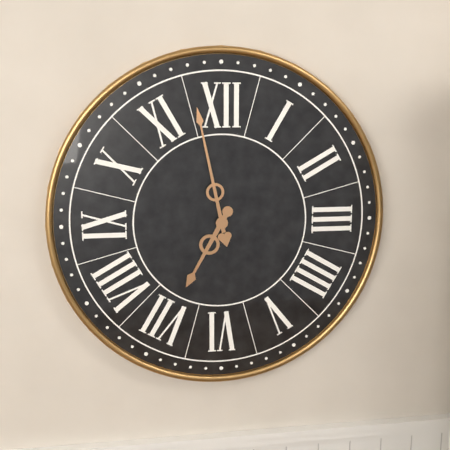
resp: 6,58
